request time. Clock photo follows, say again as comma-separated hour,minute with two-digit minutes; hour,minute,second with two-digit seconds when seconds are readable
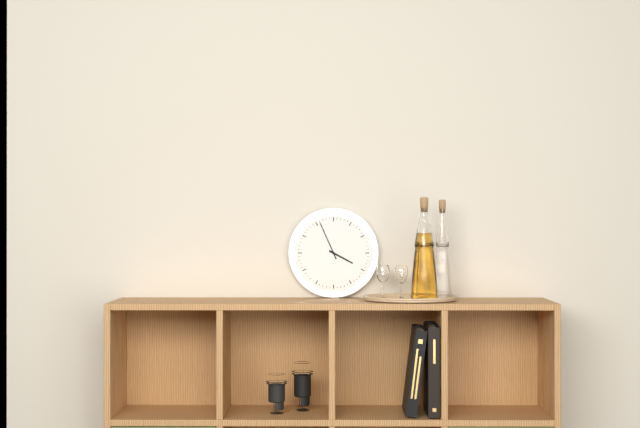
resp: 3,56
